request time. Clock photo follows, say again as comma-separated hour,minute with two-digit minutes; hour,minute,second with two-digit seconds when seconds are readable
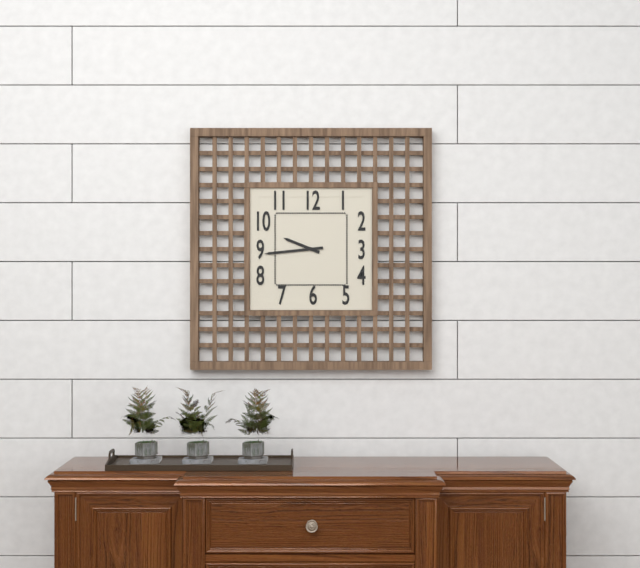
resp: 9,44
